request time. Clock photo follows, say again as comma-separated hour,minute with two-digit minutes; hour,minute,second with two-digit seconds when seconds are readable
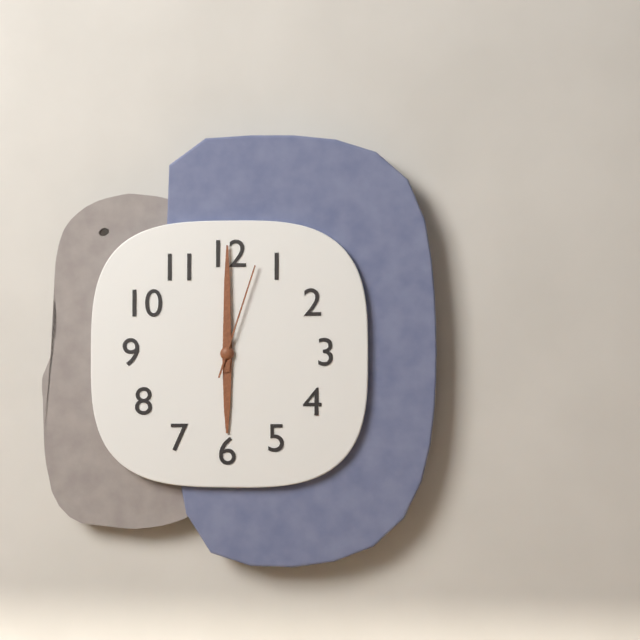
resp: 6,00,03
